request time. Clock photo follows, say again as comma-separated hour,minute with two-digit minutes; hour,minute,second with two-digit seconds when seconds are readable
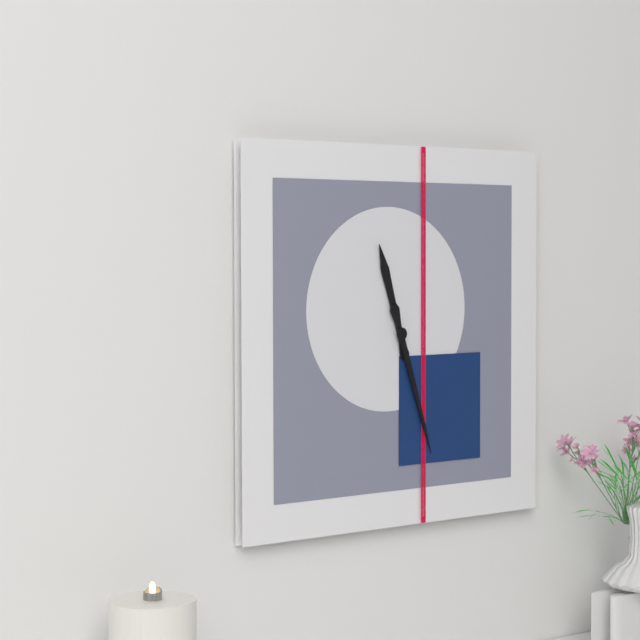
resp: 11,27
